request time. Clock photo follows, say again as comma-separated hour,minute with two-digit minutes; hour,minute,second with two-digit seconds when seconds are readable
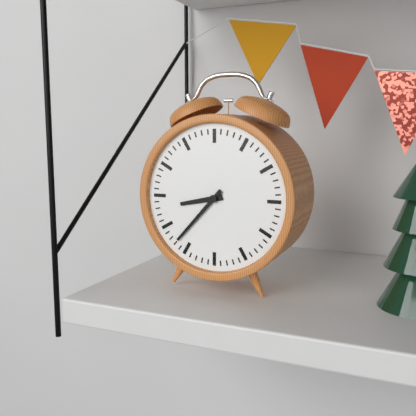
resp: 8,37
